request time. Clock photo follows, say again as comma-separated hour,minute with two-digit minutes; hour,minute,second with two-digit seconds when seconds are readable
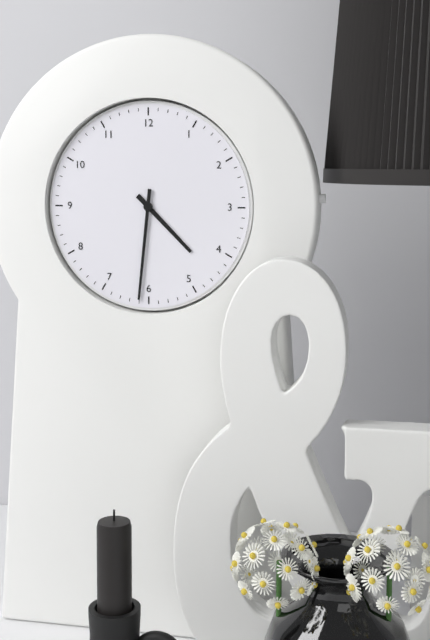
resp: 4,31
